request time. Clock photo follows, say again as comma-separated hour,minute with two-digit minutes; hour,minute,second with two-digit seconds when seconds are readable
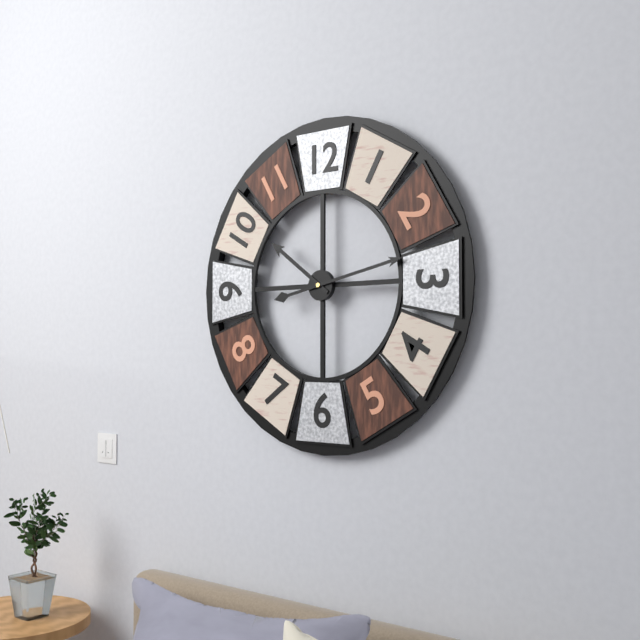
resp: 10,13
